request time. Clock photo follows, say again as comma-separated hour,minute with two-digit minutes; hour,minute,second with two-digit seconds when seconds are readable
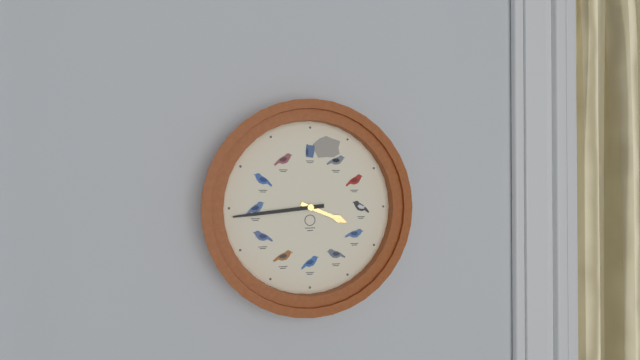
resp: 3,44
